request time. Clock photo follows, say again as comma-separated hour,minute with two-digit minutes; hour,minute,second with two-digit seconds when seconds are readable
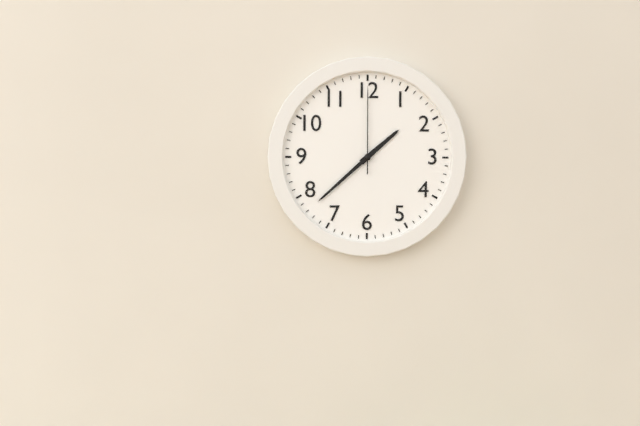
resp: 1,38,00
